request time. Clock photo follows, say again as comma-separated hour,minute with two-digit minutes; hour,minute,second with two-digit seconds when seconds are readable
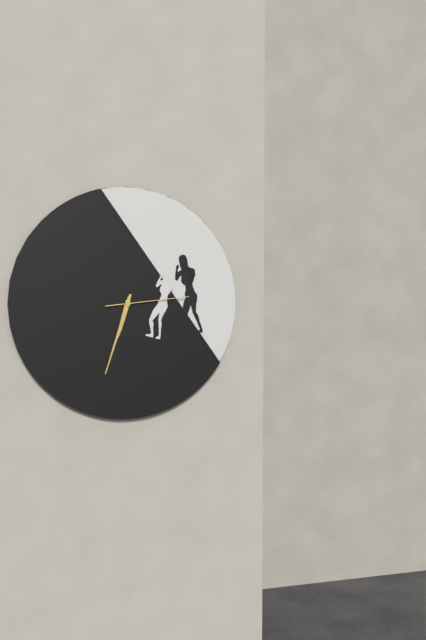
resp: 6,33,14
